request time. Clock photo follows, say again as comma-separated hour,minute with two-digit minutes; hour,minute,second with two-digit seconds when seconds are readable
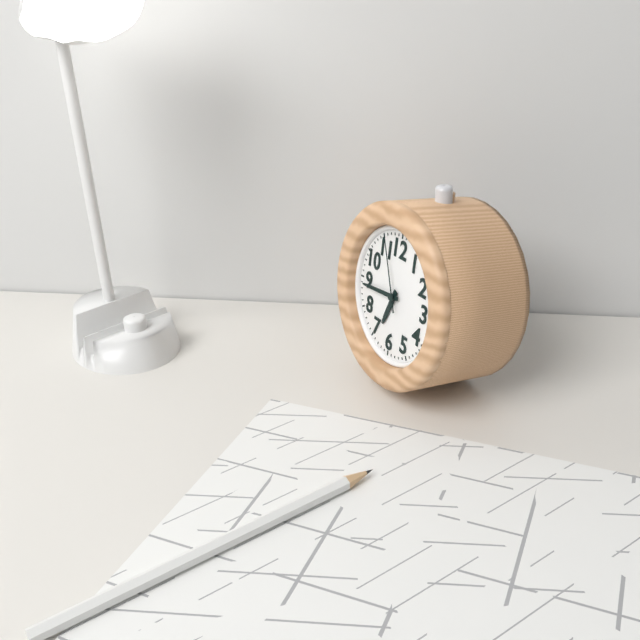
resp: 6,44,56
